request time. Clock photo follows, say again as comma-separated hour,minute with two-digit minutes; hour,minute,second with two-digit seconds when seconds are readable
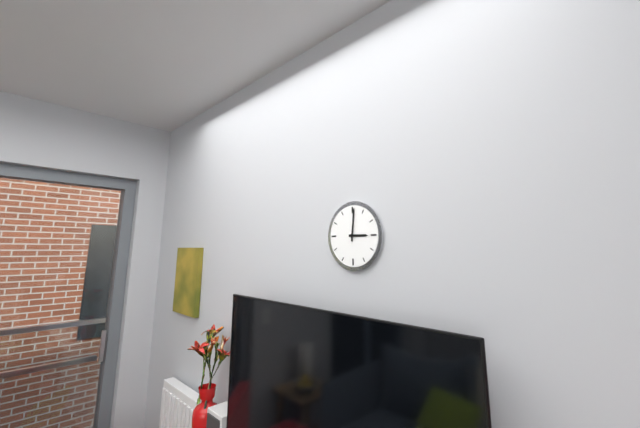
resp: 3,01
